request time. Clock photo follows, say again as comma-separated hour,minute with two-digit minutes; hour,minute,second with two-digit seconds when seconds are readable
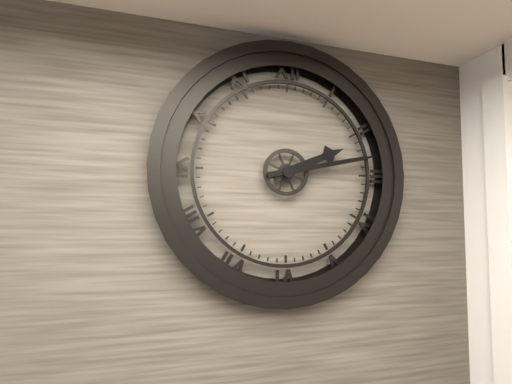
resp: 2,13
